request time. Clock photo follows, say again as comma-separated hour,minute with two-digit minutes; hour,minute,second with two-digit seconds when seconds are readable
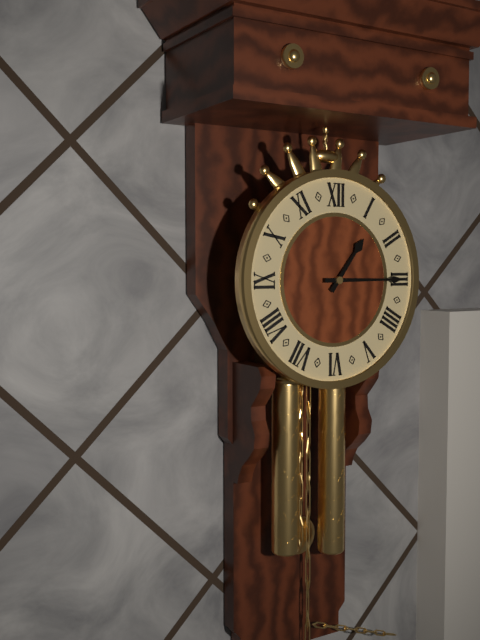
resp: 1,15
